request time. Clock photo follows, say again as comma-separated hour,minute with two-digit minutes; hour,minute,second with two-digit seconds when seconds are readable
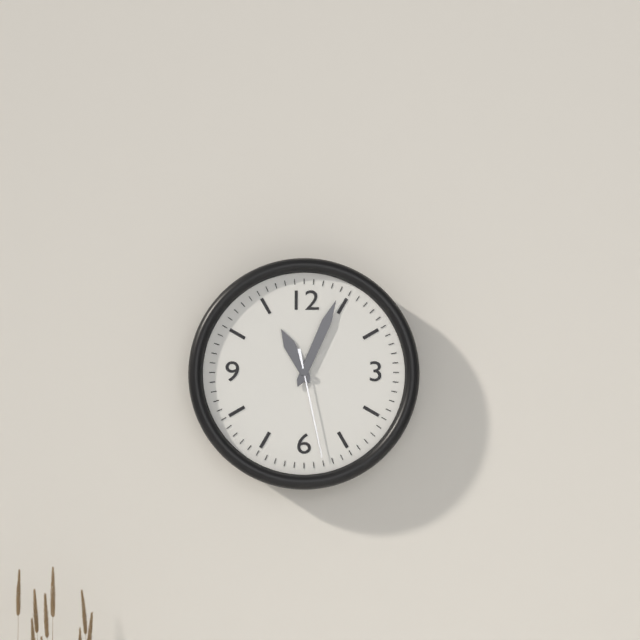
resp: 11,04,28
